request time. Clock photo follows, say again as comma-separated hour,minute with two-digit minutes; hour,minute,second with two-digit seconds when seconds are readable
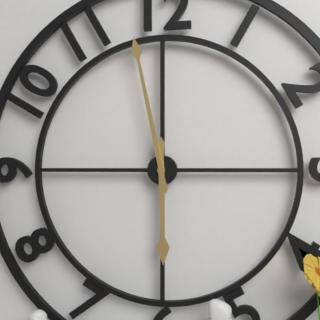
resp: 5,58
